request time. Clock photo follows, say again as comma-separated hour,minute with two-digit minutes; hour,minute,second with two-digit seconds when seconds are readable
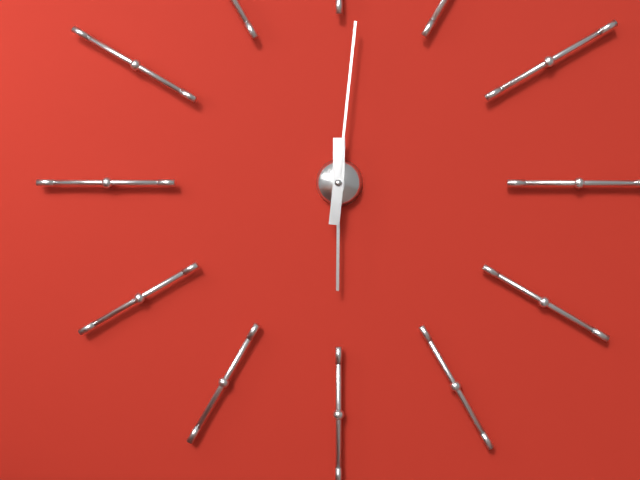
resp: 6,01
